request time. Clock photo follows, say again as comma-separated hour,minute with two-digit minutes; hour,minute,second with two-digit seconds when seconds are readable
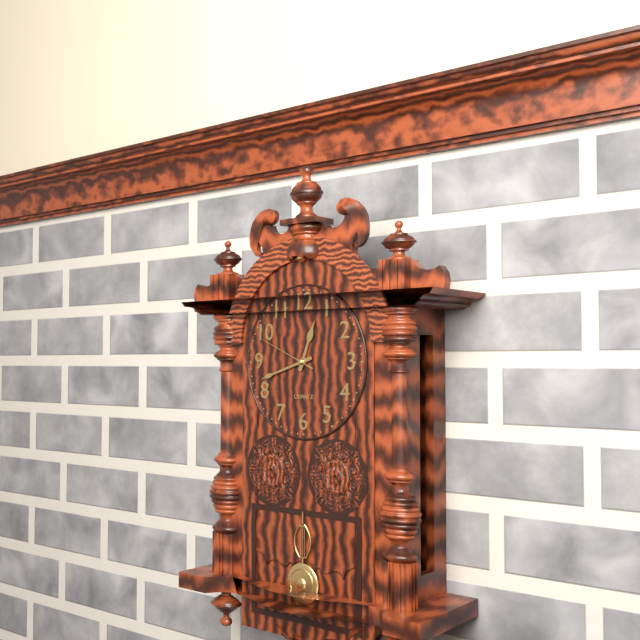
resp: 12,42,49
